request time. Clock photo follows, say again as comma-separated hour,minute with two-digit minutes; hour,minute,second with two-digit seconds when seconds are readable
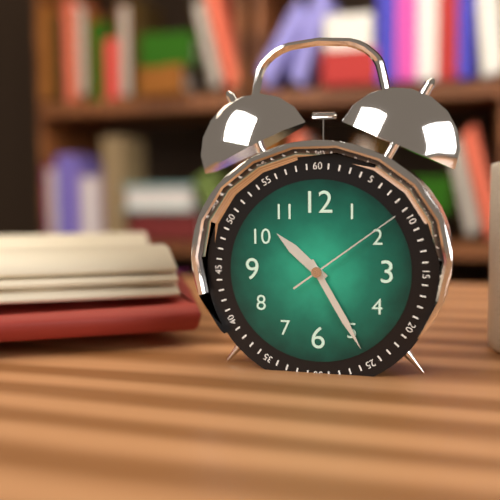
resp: 10,25,09
